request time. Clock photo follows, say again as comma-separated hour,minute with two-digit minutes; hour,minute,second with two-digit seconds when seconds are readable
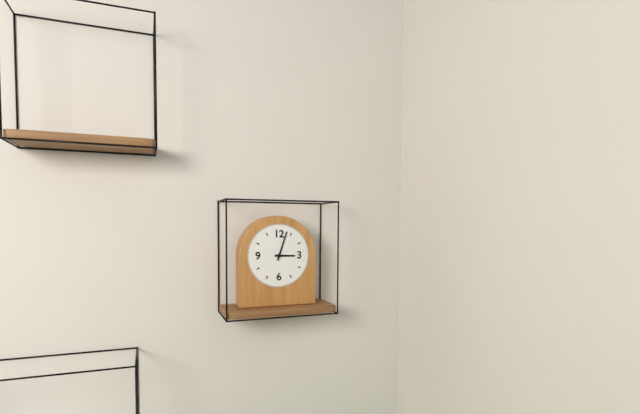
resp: 3,03
